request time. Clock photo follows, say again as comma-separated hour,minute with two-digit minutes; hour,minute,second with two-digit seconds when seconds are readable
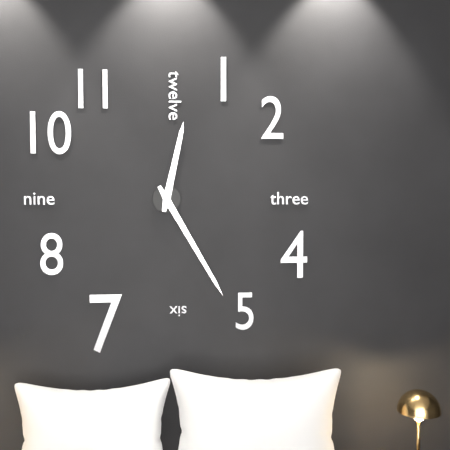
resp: 12,25
